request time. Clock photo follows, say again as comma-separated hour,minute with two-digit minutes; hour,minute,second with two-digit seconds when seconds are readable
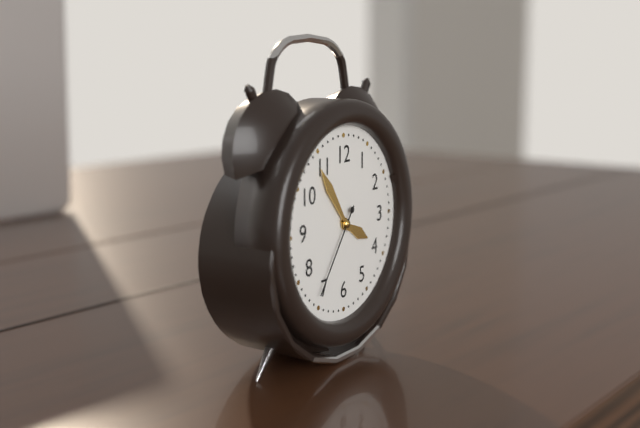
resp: 3,54,36
